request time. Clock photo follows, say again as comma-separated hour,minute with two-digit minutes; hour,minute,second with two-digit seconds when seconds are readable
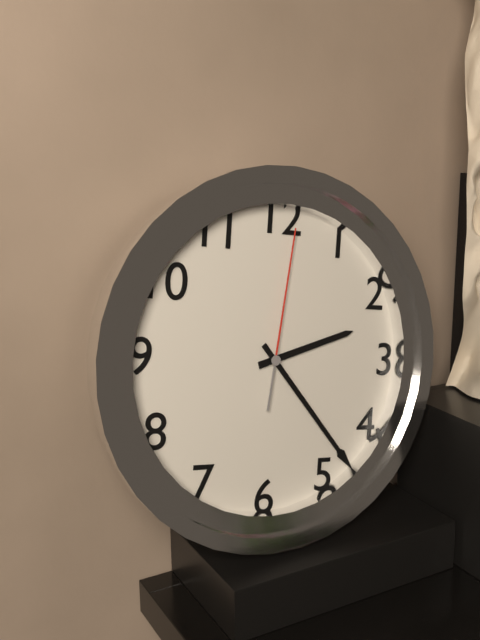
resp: 2,23,01
